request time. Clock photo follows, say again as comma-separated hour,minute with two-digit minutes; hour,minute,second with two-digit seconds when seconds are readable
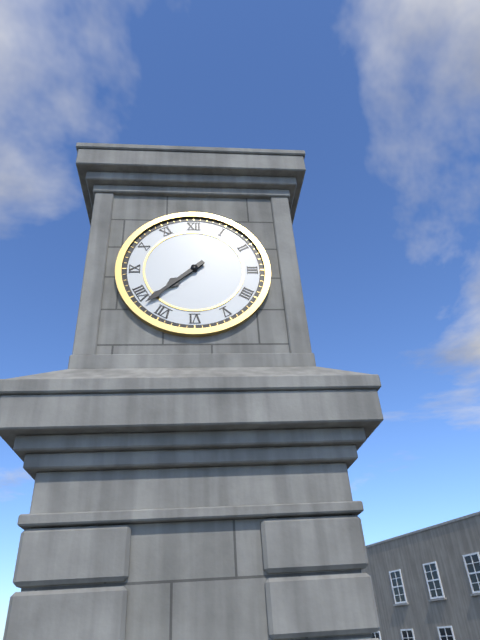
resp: 7,38
